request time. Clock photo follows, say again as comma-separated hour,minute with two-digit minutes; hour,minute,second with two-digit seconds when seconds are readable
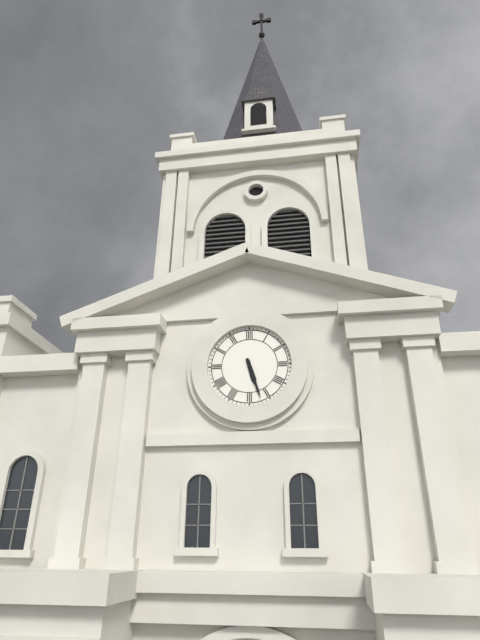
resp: 5,27
